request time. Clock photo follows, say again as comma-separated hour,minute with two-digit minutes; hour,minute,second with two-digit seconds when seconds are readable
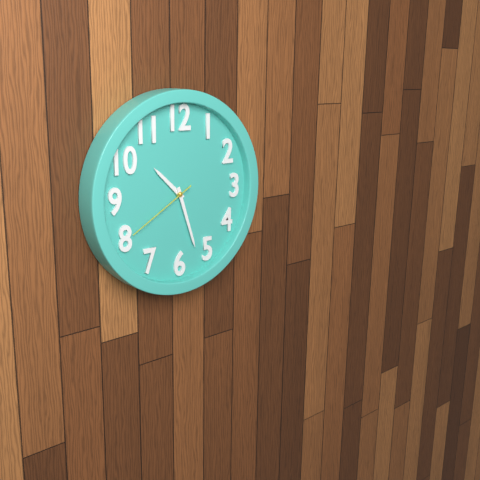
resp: 10,27,40
